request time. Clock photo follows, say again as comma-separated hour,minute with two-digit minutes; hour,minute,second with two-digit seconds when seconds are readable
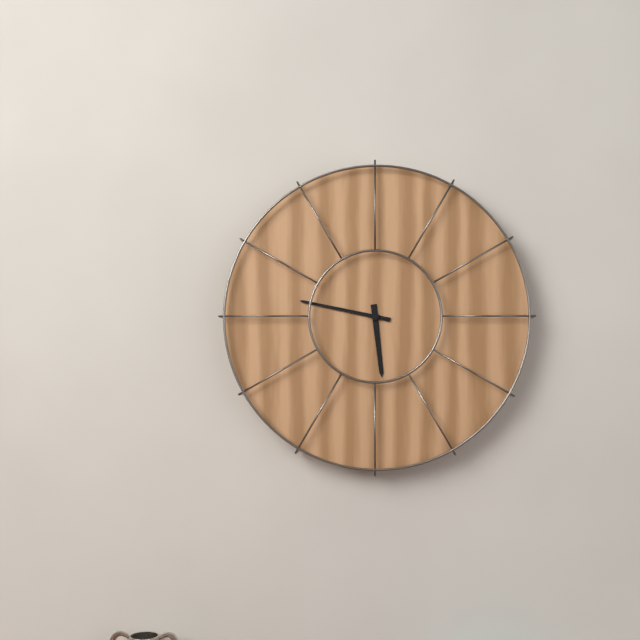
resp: 5,47
